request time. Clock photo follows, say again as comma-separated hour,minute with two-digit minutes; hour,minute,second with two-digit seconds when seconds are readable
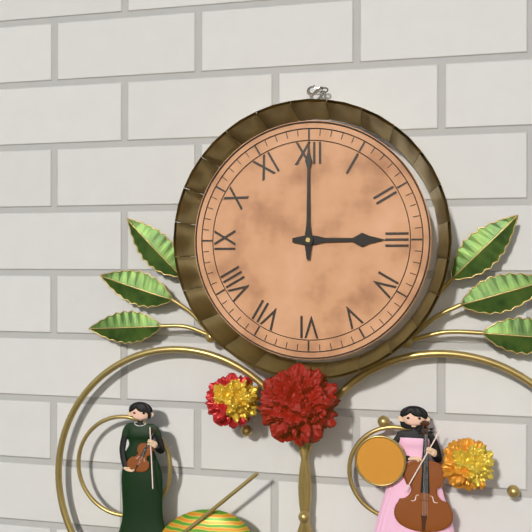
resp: 3,00
